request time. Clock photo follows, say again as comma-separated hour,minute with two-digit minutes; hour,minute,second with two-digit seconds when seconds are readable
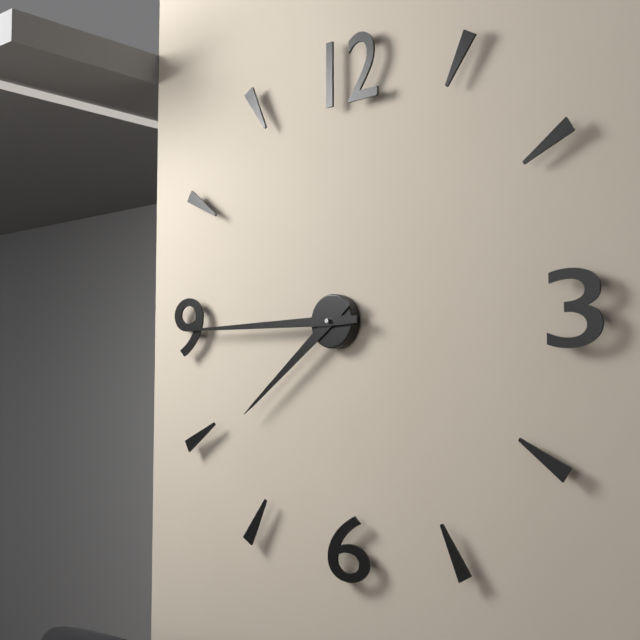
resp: 7,45
